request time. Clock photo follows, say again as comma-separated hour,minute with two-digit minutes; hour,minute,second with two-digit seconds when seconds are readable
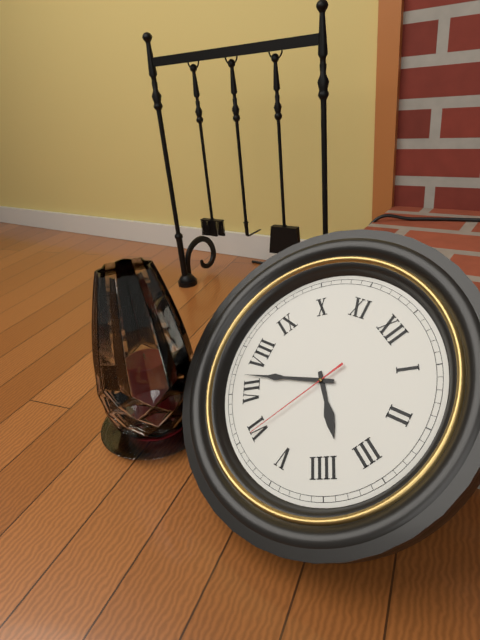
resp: 3,37,30
